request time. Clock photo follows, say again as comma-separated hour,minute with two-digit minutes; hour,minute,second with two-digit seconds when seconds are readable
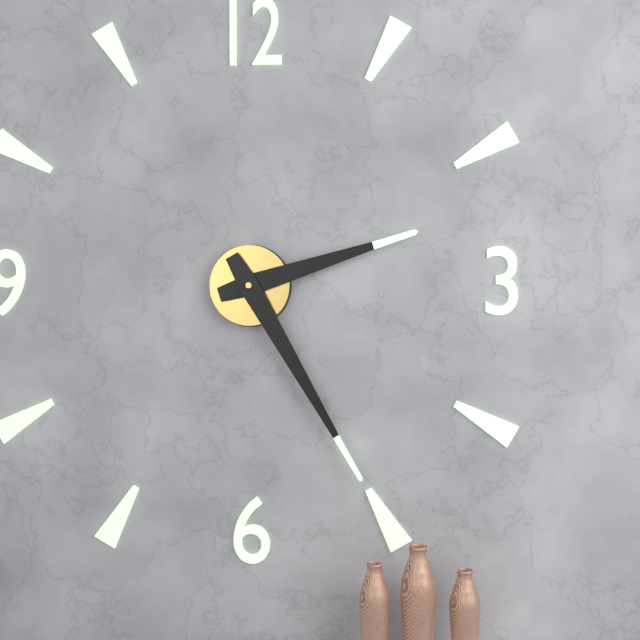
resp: 2,25
